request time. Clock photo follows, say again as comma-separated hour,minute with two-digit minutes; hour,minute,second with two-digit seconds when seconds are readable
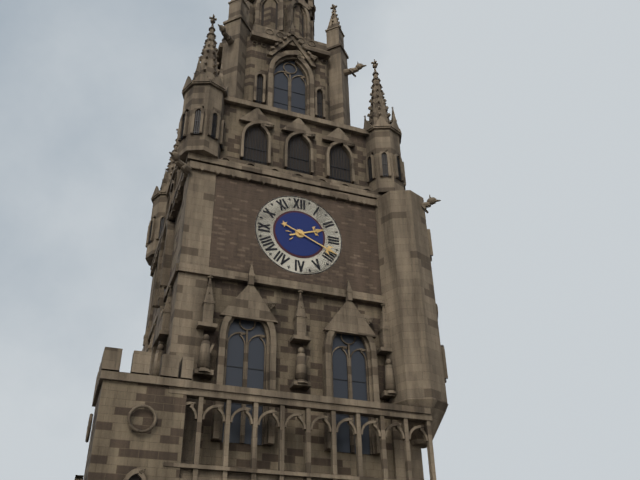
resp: 2,19
